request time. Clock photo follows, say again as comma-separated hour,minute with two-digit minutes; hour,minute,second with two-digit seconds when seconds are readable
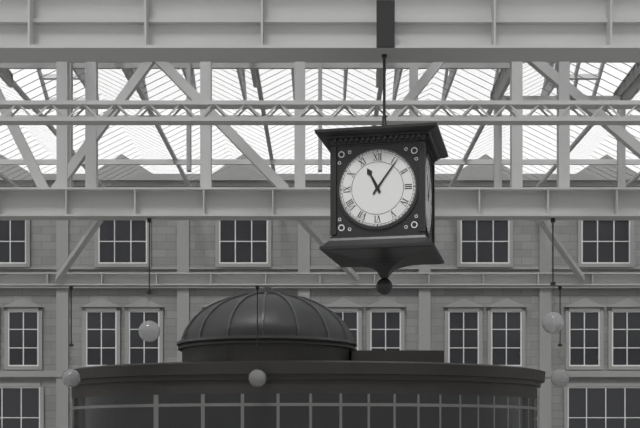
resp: 11,06
